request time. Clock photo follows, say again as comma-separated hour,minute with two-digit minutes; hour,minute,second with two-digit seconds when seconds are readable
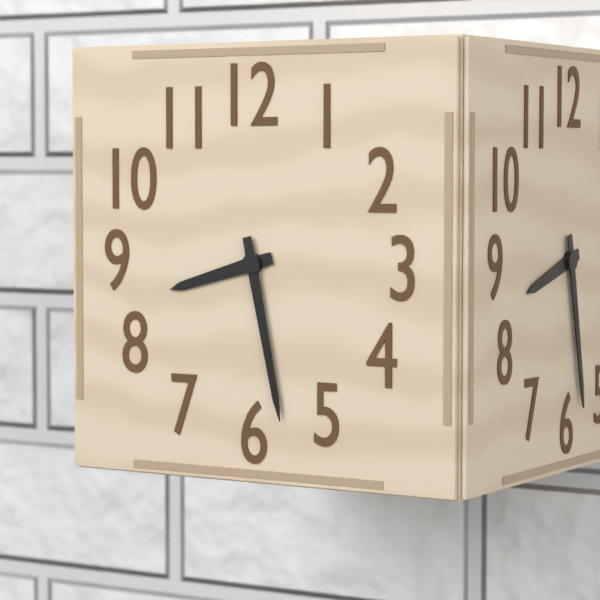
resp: 8,28
